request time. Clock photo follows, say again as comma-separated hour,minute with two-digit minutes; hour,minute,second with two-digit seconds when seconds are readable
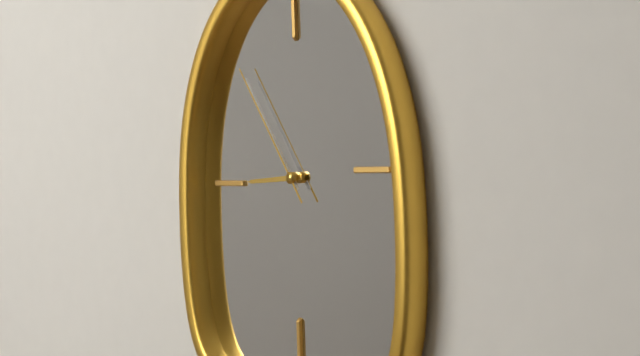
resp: 8,54,54
